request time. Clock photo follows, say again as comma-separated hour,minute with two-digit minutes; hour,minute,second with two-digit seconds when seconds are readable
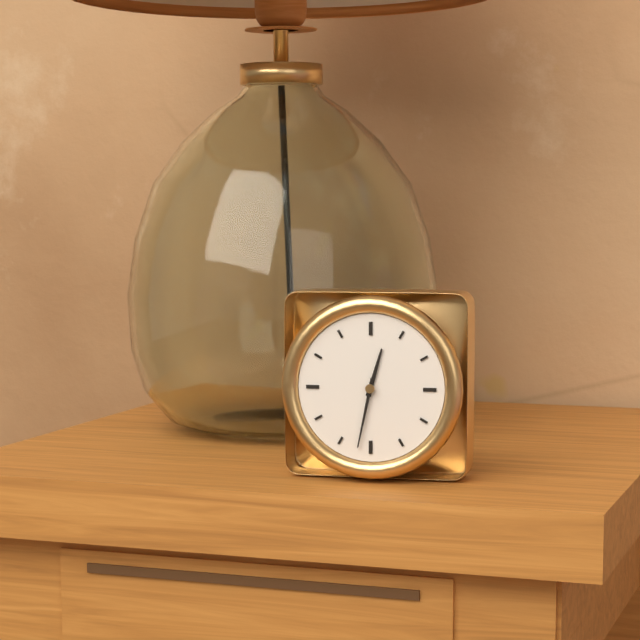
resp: 12,32
